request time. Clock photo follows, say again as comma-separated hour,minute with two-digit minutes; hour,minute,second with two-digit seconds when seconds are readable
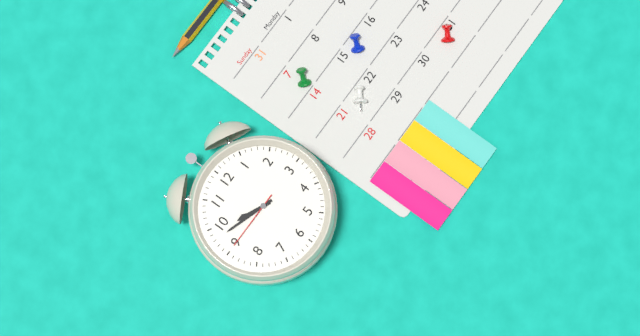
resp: 9,48,45
